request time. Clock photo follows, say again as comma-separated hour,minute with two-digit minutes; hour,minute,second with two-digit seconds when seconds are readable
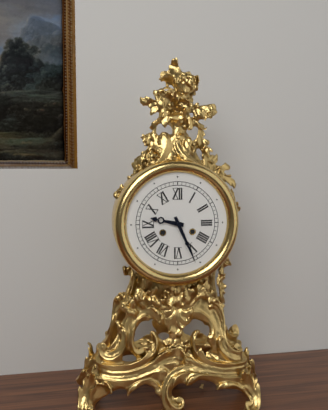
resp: 9,26
